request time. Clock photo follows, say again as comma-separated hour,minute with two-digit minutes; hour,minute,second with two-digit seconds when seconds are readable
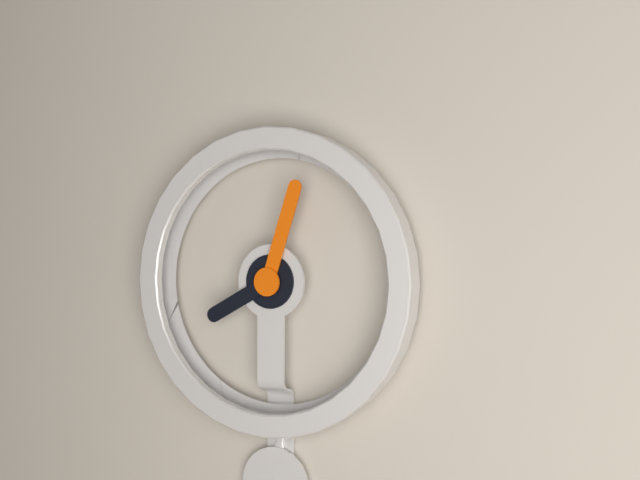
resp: 8,03
